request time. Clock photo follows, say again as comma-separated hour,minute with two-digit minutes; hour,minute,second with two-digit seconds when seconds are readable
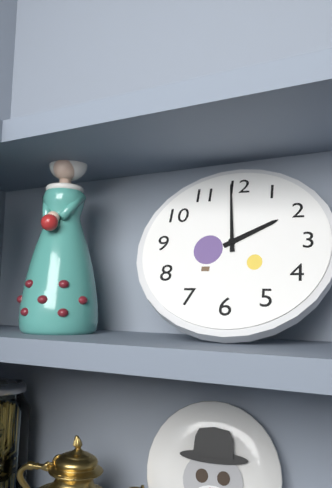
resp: 1,59
